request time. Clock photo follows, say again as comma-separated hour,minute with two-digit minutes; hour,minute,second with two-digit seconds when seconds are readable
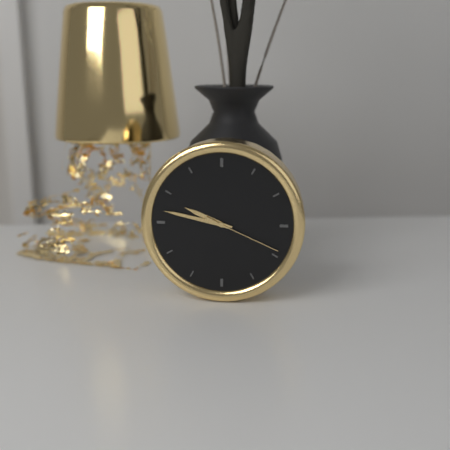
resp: 9,47,19
